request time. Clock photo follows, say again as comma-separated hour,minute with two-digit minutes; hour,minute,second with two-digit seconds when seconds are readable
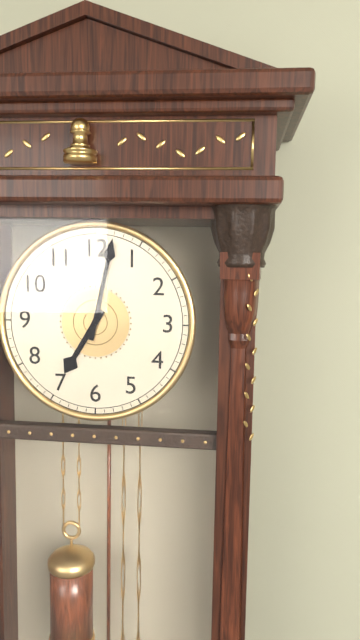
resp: 7,02
